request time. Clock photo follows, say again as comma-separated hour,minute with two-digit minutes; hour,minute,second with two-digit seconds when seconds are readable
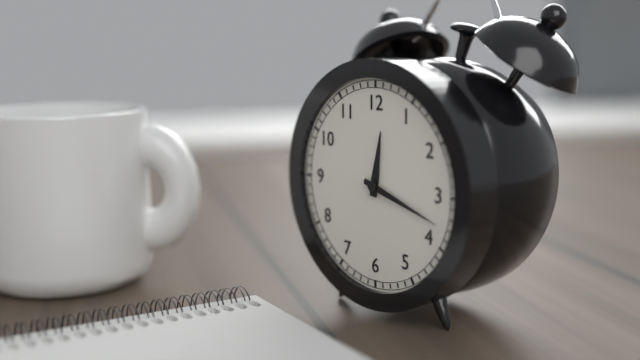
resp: 12,18
